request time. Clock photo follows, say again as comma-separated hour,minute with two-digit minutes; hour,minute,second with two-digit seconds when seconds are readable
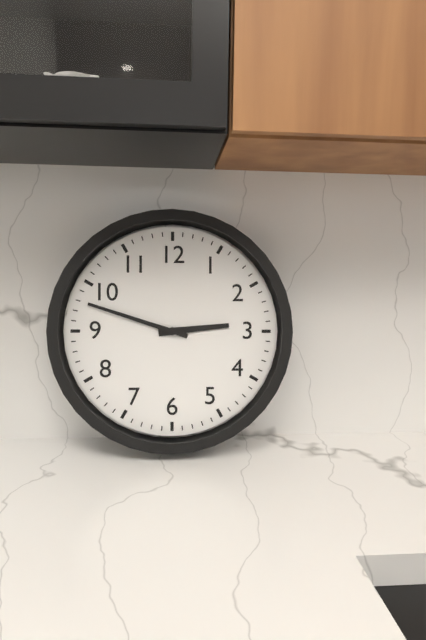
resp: 2,48
